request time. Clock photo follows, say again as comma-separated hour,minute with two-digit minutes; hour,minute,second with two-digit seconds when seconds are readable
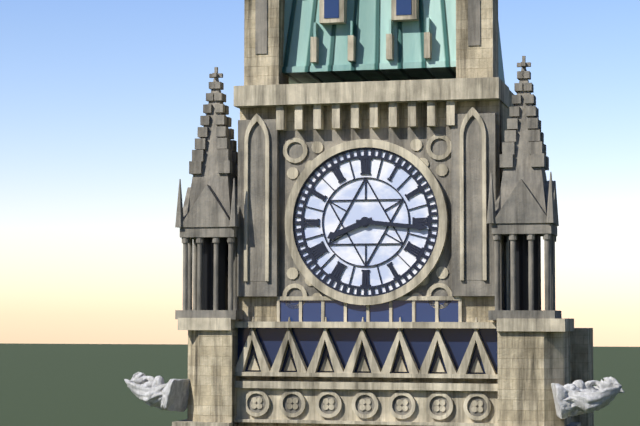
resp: 8,16
